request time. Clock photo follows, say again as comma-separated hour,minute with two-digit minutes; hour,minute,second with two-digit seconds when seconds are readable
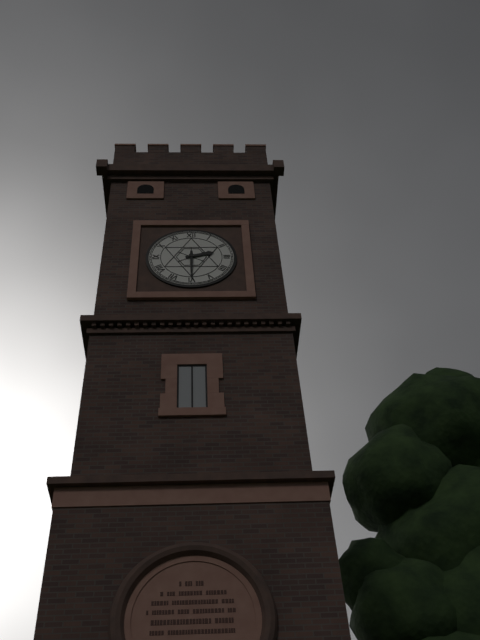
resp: 2,30
